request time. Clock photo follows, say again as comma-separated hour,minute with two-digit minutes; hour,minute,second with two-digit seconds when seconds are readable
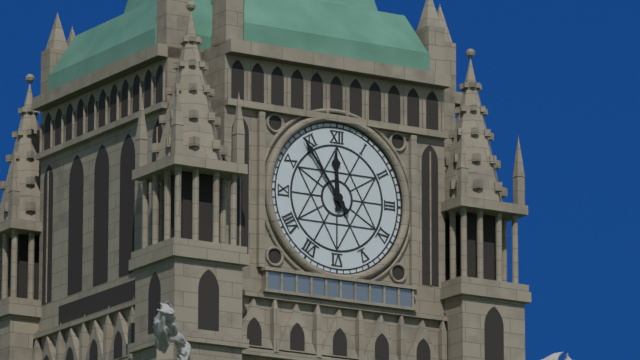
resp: 11,54
